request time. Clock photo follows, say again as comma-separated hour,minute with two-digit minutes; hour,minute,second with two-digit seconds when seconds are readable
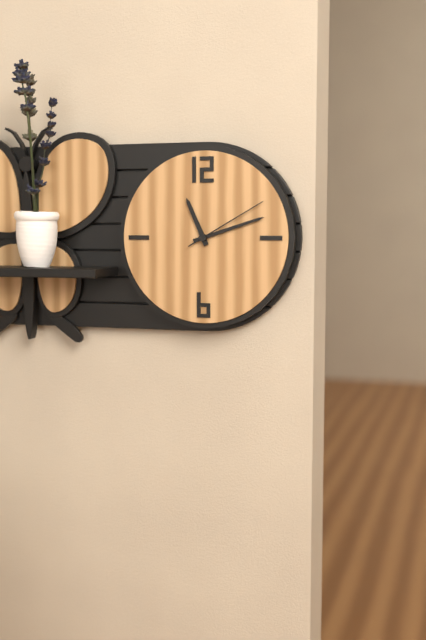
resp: 11,12,10
